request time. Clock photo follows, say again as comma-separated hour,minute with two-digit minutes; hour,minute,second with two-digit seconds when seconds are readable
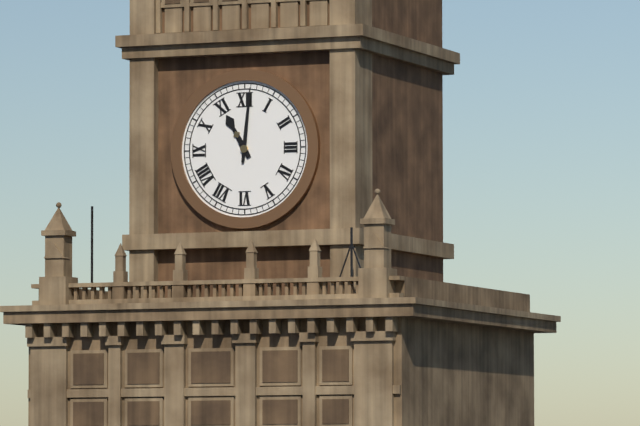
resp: 11,01
